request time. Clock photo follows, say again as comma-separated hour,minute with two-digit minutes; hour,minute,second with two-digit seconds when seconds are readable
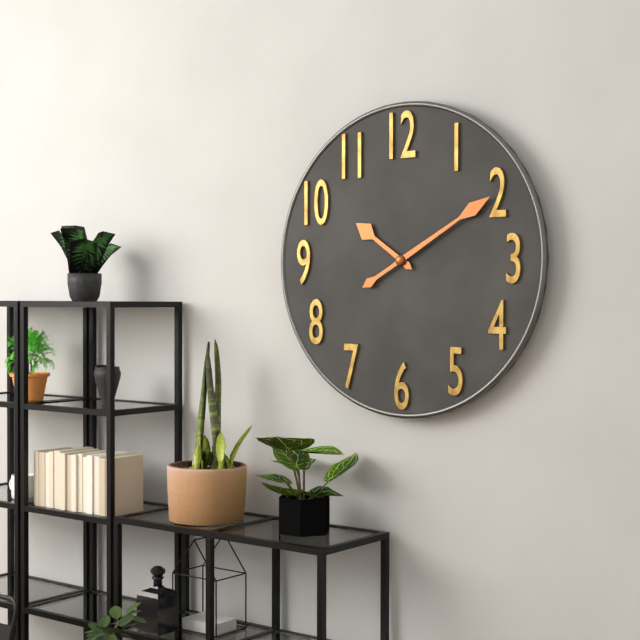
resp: 10,10
